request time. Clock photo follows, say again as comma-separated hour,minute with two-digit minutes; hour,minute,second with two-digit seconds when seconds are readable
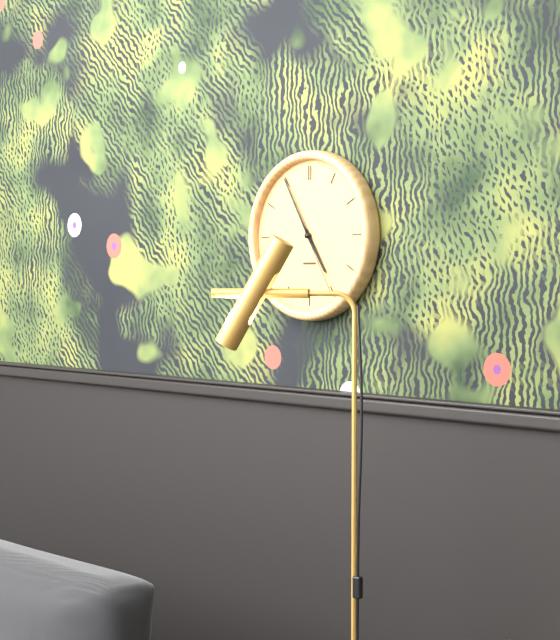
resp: 4,55,25
